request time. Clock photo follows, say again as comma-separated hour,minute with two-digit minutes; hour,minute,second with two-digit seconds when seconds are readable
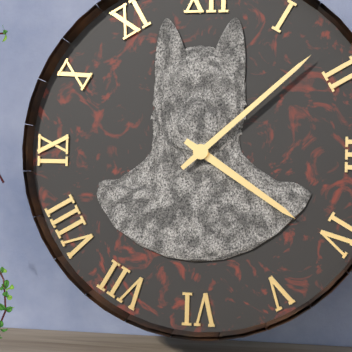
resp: 4,08
